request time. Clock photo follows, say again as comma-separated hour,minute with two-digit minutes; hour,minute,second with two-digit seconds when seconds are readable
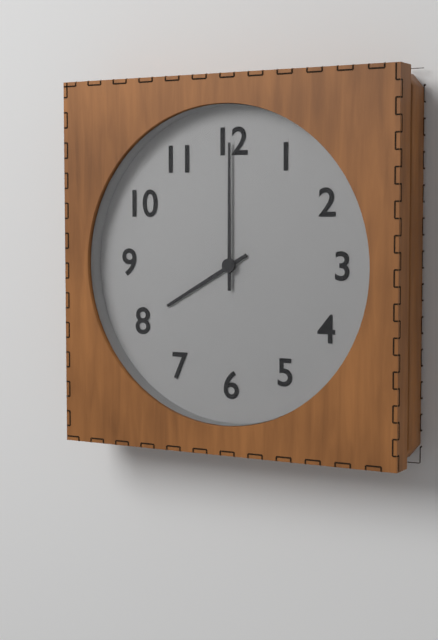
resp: 8,00
